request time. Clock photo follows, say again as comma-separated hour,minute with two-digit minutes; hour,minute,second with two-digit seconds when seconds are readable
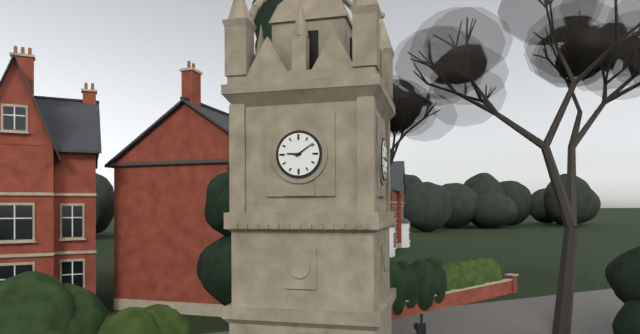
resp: 9,09
